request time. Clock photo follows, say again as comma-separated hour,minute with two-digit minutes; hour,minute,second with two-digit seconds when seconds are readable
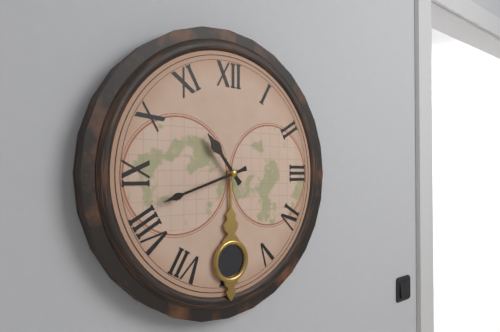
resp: 10,42
